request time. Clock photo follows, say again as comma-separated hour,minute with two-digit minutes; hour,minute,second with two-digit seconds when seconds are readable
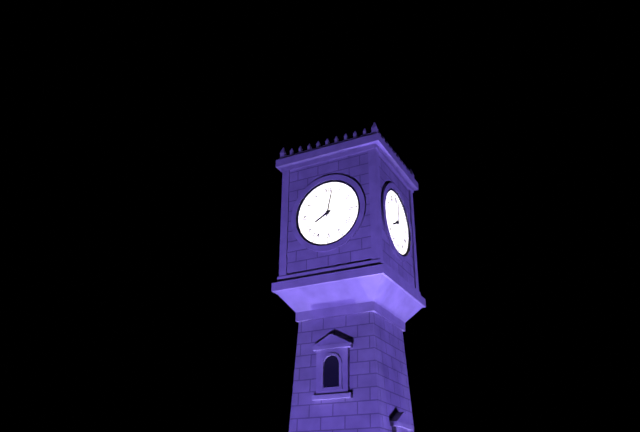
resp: 8,02
